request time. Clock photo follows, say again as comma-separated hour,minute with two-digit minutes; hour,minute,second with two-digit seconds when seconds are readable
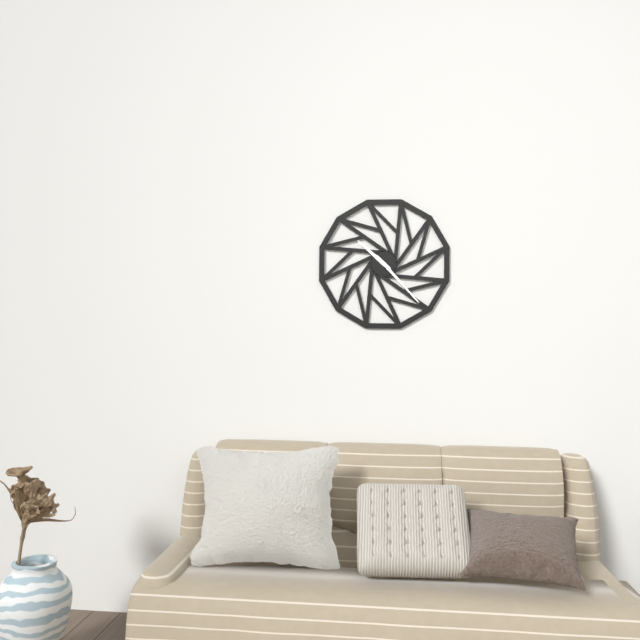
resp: 10,23
